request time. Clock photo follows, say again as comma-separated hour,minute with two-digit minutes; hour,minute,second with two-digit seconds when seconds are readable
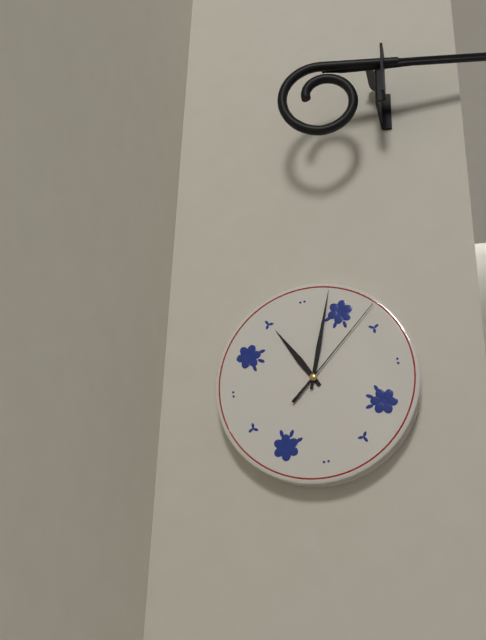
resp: 11,03,08
